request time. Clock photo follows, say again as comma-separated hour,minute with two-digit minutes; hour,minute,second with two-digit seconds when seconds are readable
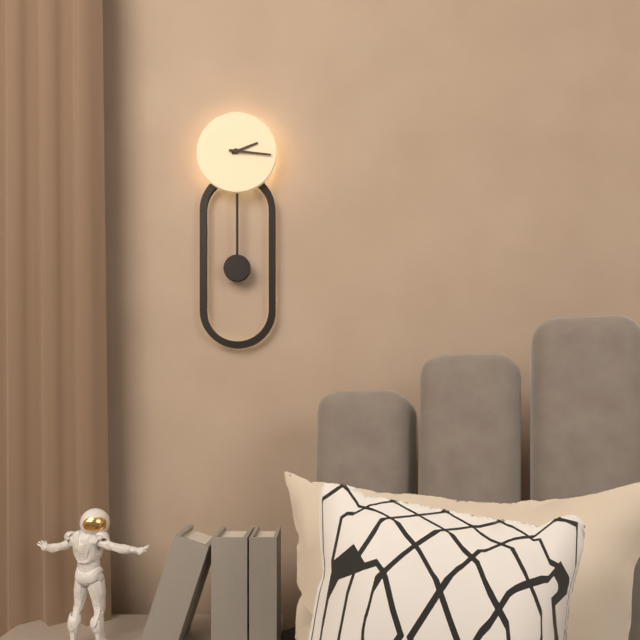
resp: 2,16
